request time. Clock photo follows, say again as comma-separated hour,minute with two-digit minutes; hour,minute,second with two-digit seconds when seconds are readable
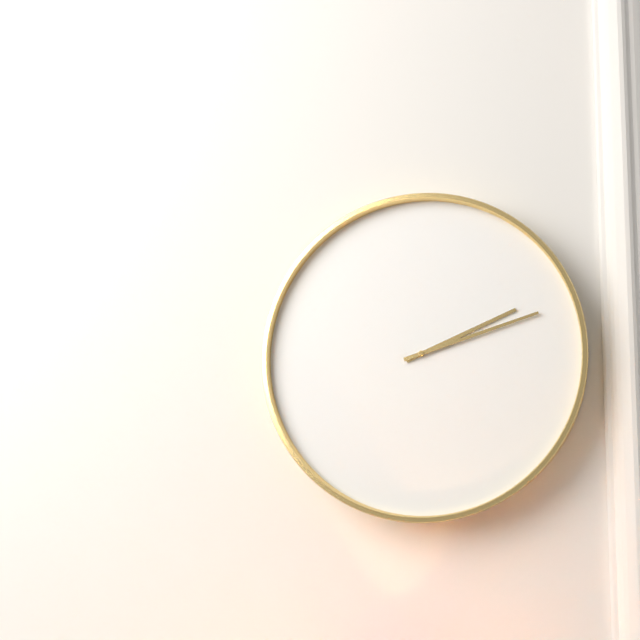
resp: 2,12
